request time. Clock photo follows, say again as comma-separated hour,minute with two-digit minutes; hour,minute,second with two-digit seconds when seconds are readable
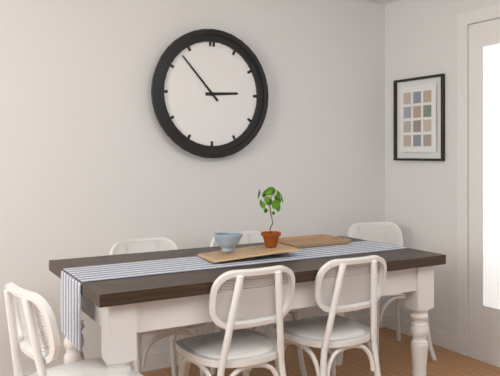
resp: 2,53
